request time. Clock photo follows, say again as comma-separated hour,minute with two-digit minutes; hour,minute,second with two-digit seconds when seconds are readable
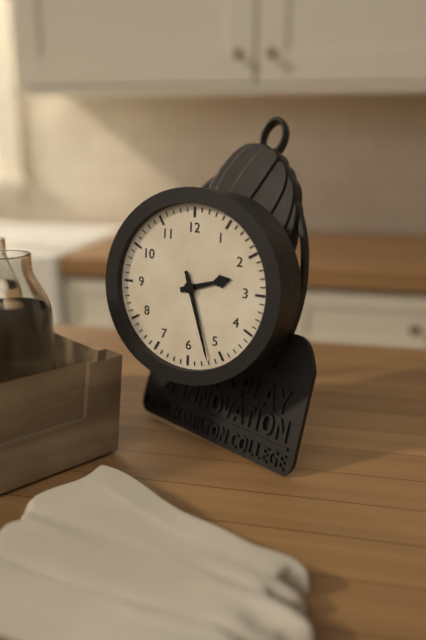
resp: 2,27
